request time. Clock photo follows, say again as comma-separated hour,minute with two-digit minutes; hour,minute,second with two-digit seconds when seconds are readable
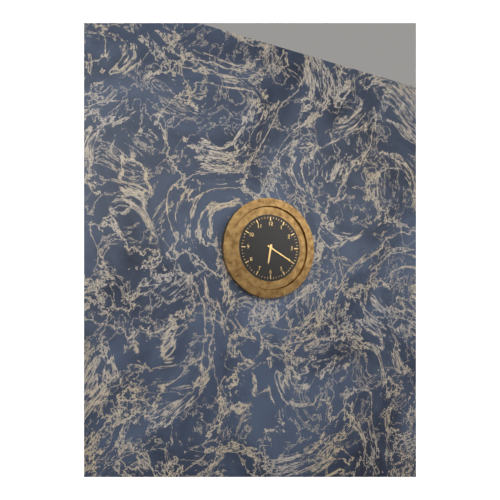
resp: 6,20
